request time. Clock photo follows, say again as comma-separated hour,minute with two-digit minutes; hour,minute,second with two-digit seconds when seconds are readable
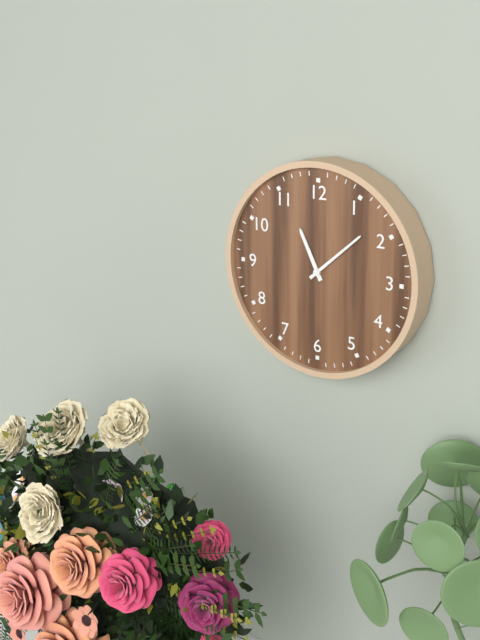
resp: 11,08
